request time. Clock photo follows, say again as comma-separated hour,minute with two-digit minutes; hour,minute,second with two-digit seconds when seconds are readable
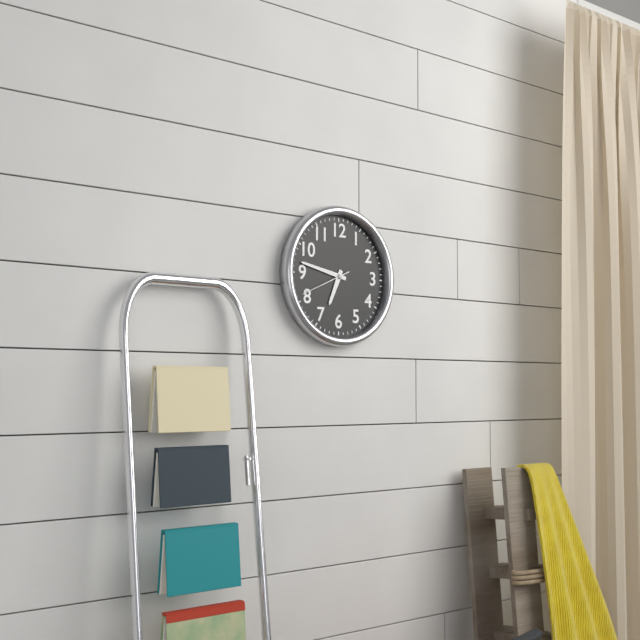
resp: 6,47,41
